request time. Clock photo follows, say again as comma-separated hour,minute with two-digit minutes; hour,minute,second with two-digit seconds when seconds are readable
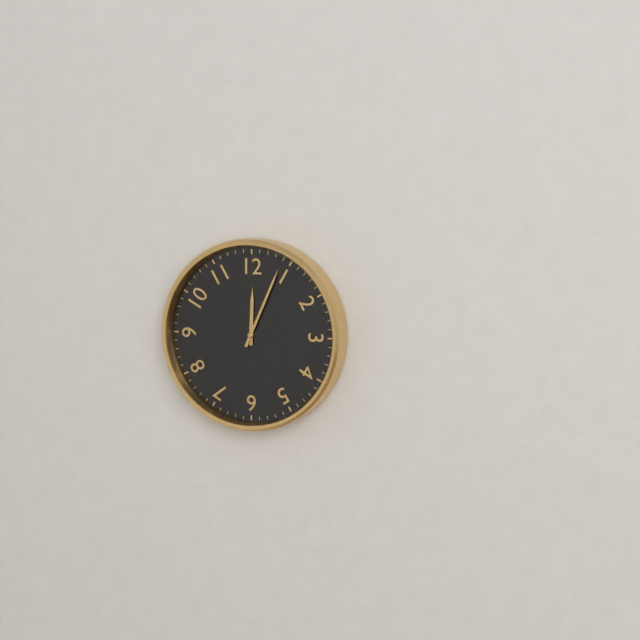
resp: 12,04
